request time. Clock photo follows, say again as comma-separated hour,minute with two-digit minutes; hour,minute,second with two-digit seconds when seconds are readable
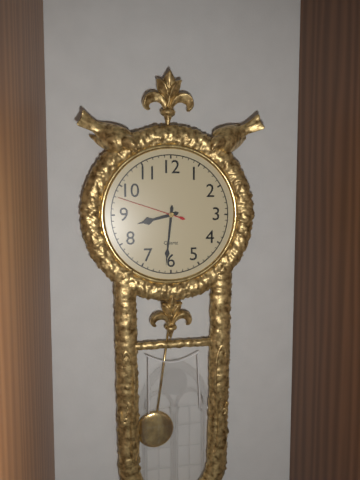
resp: 8,31,48
